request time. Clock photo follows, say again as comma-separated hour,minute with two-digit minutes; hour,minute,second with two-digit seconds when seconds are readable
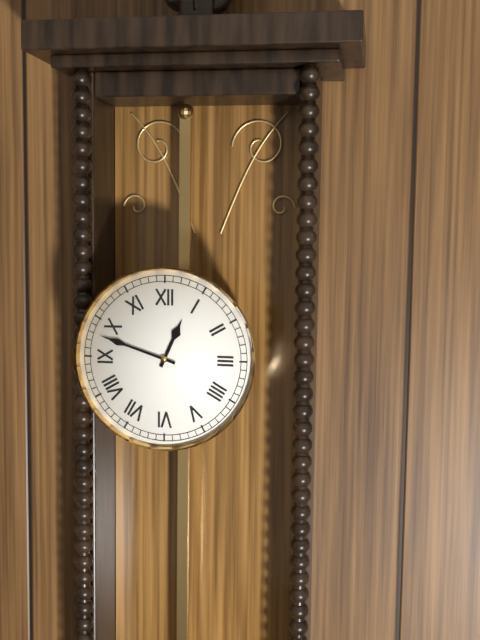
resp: 12,48
